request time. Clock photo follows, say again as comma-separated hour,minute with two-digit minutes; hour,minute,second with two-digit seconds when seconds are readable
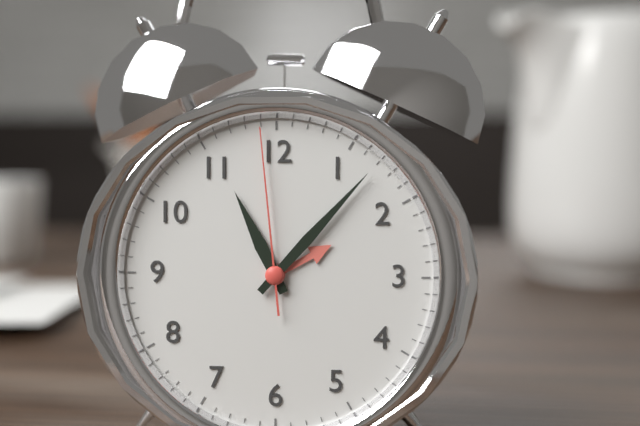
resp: 11,07,59
